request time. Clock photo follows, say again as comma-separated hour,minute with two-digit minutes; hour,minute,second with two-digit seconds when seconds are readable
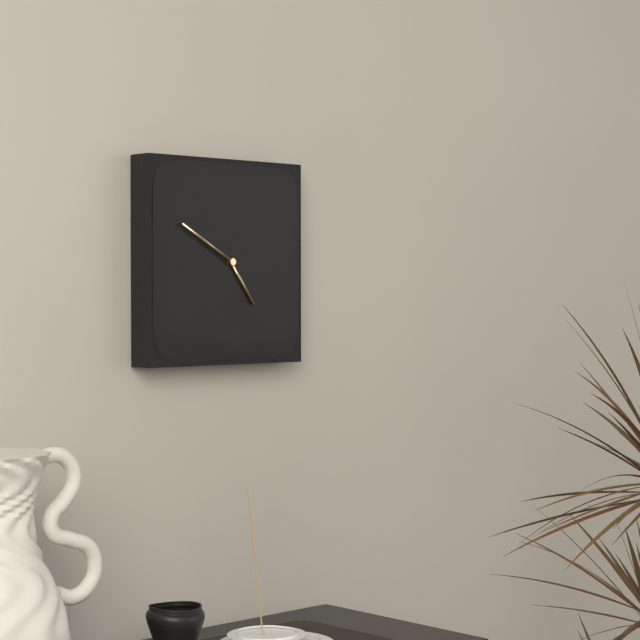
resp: 4,50
